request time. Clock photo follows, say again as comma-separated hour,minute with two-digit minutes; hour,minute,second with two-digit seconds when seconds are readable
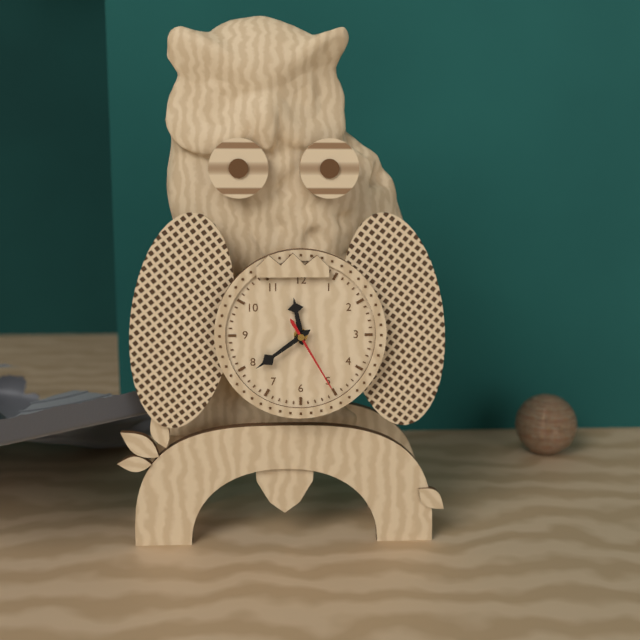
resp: 11,39,25
